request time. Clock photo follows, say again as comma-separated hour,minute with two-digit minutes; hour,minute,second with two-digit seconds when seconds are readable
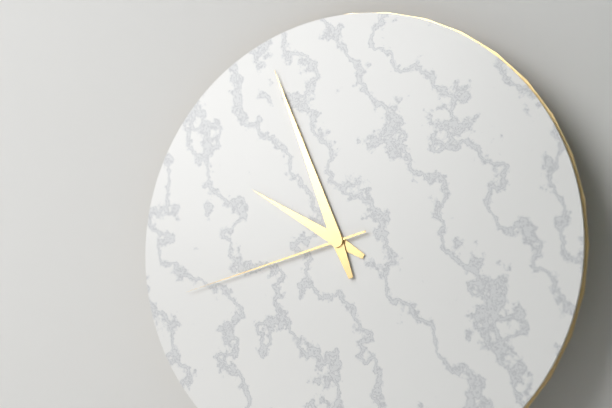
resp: 9,56,42
